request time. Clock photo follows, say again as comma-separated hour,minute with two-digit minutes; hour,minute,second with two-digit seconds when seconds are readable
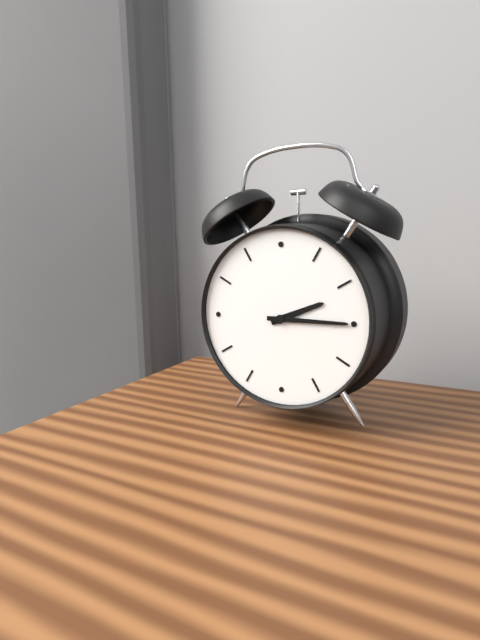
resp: 2,15
